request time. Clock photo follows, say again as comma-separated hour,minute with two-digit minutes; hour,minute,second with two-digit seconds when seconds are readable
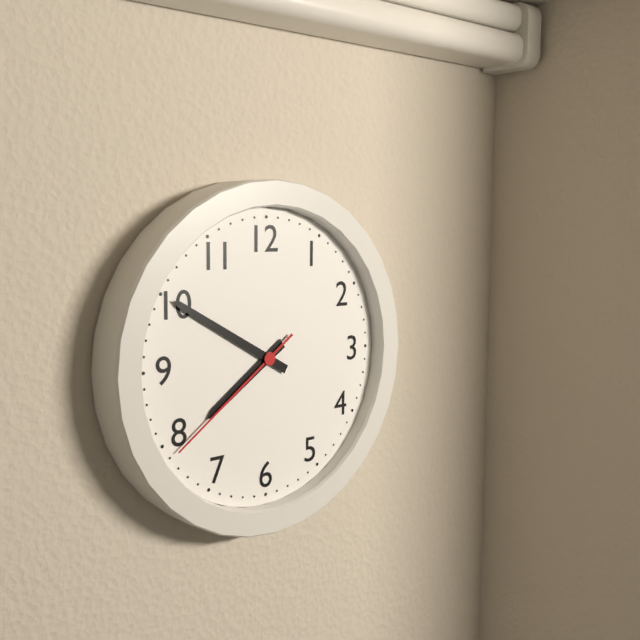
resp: 7,50,39
